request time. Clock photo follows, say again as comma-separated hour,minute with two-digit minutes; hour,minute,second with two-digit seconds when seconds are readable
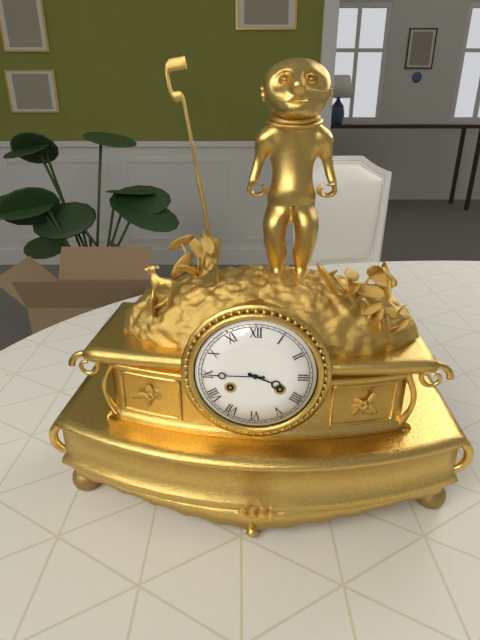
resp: 3,45
